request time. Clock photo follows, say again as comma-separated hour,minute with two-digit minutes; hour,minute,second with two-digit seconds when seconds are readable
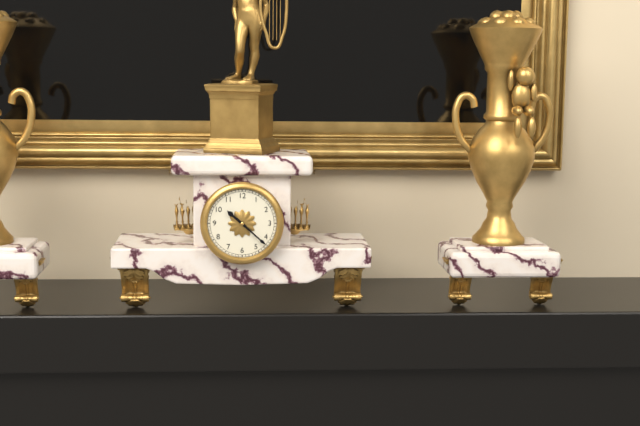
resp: 10,22
